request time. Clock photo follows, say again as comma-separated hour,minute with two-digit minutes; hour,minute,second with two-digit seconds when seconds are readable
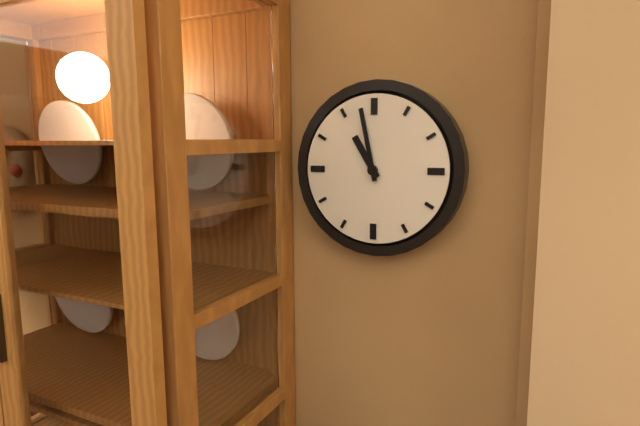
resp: 10,58
